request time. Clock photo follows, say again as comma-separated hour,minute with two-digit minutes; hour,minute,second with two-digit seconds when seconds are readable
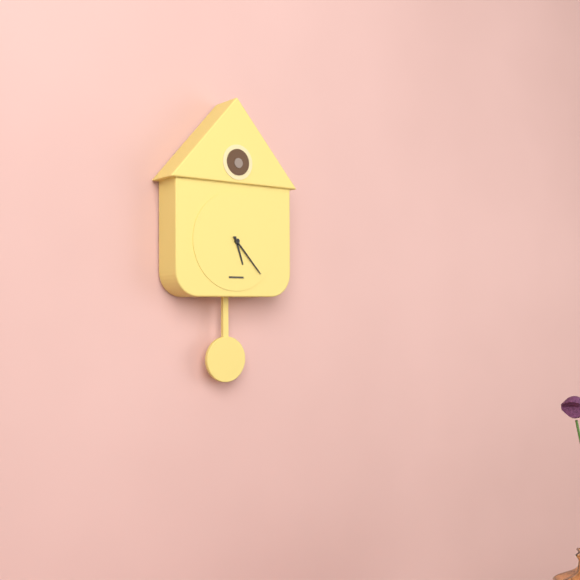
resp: 5,23
